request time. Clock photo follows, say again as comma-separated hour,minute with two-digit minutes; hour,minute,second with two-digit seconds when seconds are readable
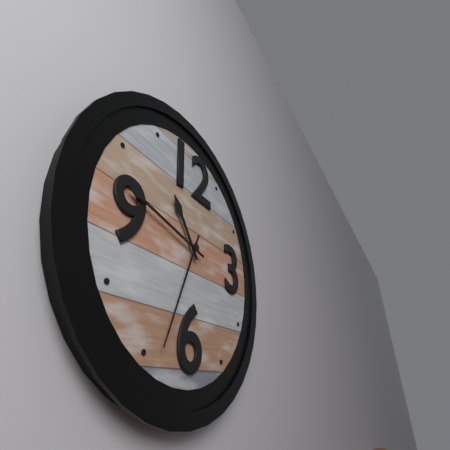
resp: 10,47,34
